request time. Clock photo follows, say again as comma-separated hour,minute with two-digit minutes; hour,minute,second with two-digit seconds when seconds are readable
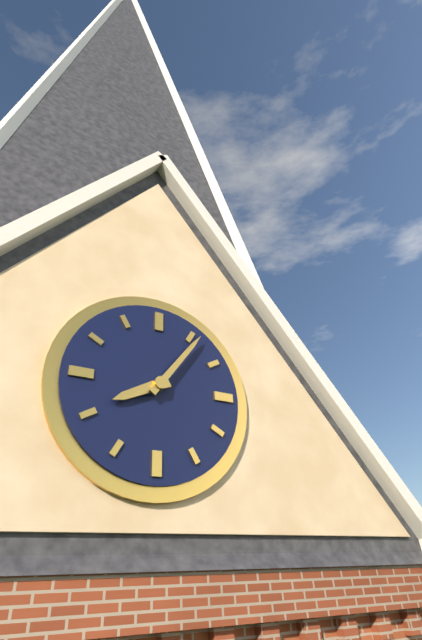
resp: 8,06
